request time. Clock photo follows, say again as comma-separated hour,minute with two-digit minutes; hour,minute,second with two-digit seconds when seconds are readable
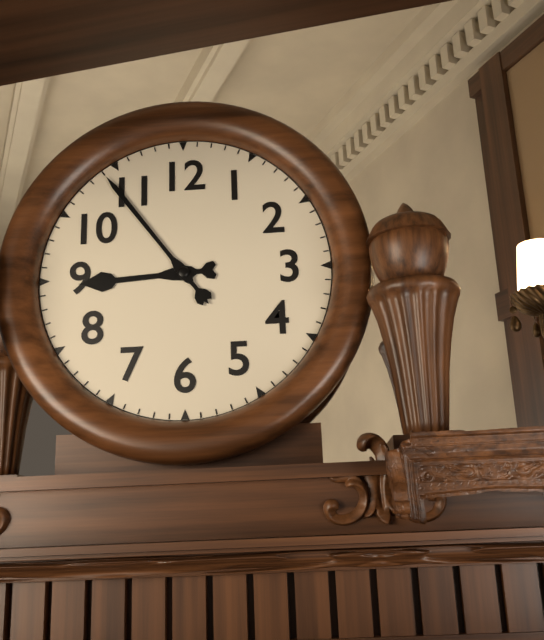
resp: 8,54
